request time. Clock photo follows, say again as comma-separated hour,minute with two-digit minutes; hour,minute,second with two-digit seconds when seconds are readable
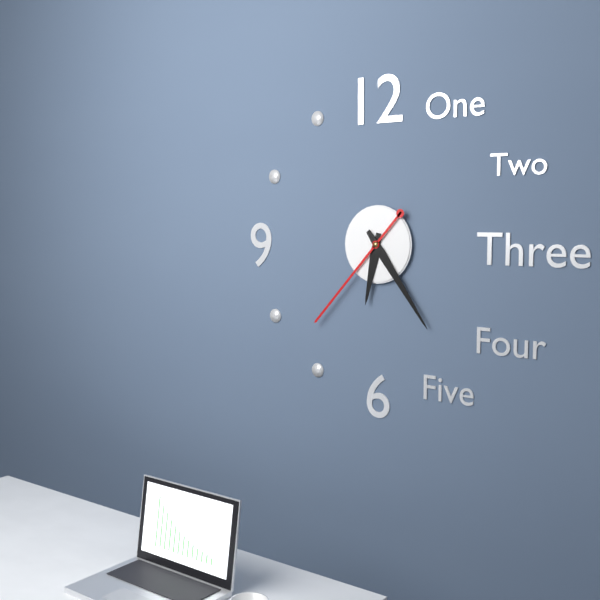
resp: 6,24,37
